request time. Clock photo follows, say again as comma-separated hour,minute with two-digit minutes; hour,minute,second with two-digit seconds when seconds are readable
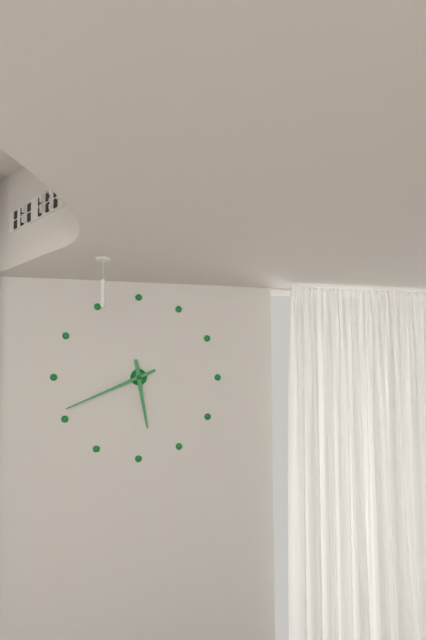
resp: 5,41
